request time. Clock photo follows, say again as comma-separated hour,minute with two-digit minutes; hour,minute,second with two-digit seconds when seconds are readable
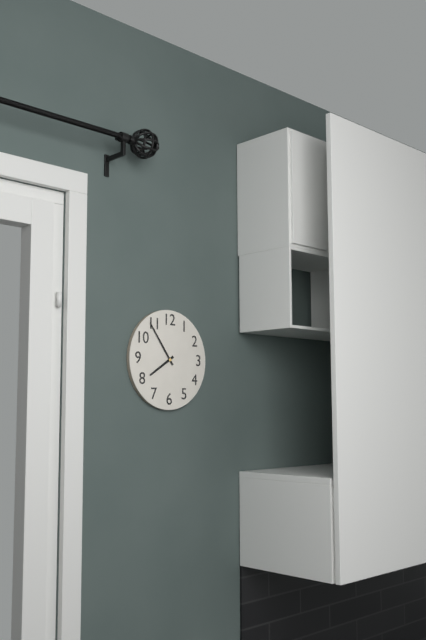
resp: 7,54
